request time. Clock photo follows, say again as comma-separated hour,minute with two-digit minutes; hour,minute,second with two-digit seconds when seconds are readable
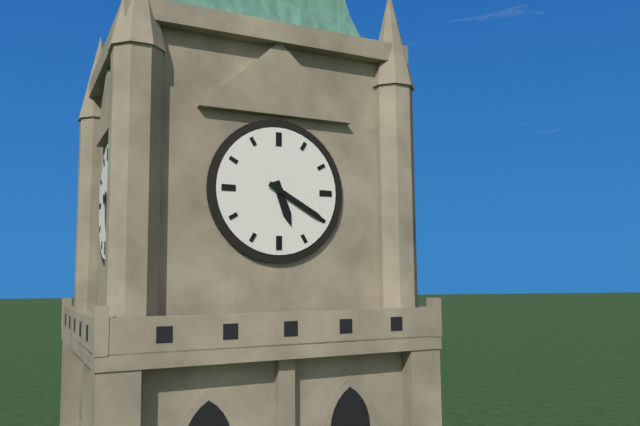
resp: 5,20
